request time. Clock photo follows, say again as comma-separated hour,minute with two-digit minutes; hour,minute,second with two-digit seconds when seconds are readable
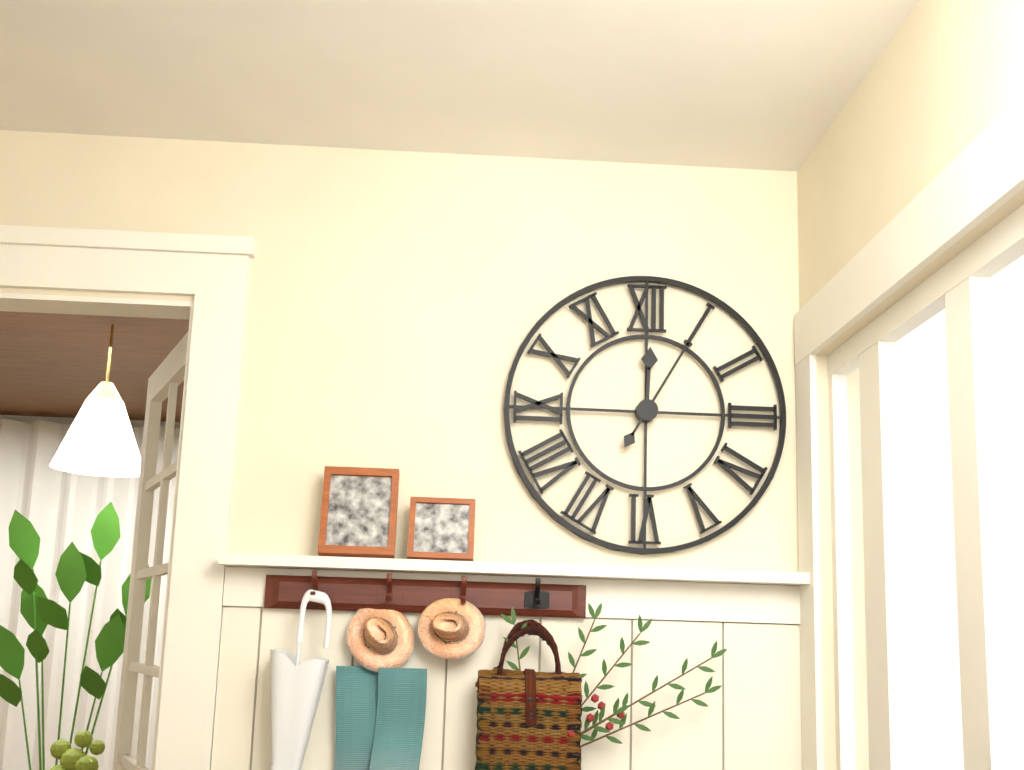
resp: 12,05
